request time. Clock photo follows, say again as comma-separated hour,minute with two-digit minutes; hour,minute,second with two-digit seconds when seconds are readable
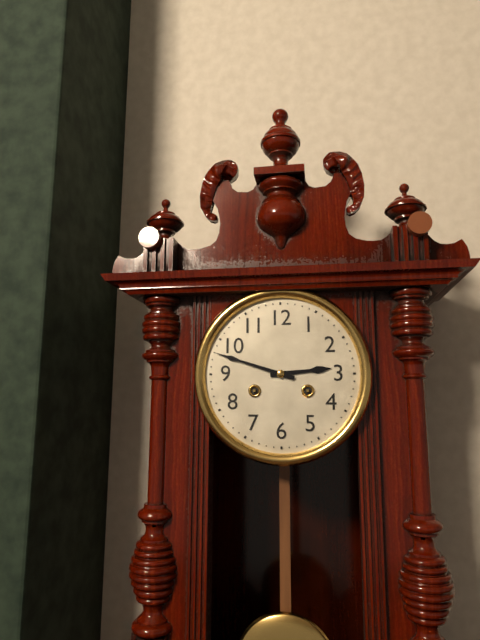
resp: 2,48
